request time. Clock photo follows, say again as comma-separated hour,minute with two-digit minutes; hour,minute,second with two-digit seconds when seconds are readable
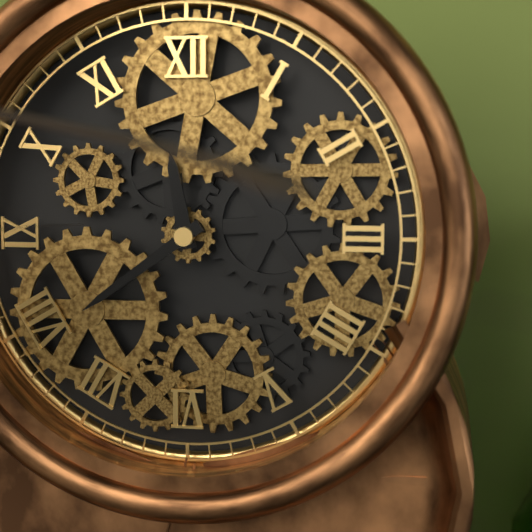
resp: 11,39
